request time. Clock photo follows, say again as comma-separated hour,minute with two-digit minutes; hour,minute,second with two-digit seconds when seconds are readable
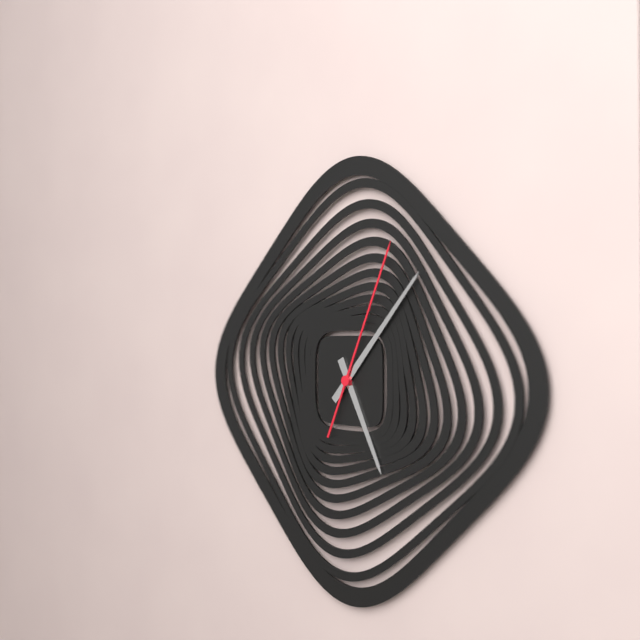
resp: 5,07,04
